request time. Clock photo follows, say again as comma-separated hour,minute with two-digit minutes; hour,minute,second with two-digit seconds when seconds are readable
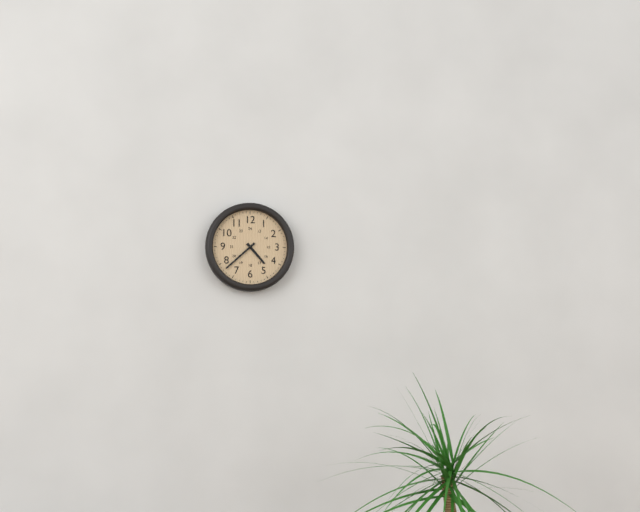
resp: 4,38
